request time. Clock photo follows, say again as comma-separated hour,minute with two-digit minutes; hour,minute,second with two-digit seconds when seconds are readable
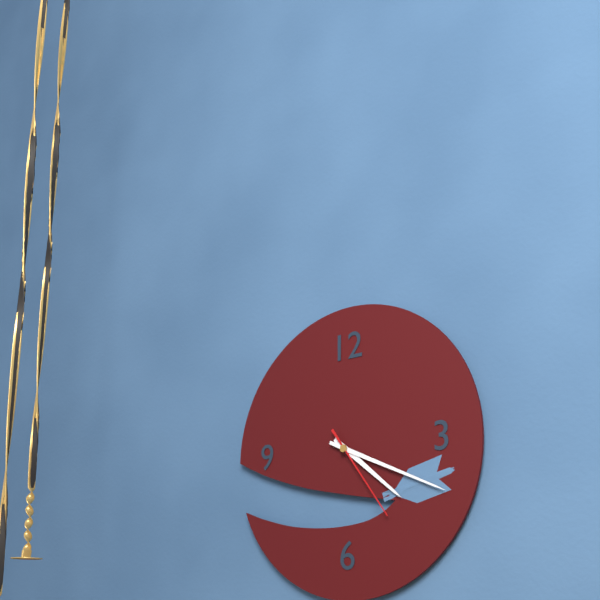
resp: 4,19,24
